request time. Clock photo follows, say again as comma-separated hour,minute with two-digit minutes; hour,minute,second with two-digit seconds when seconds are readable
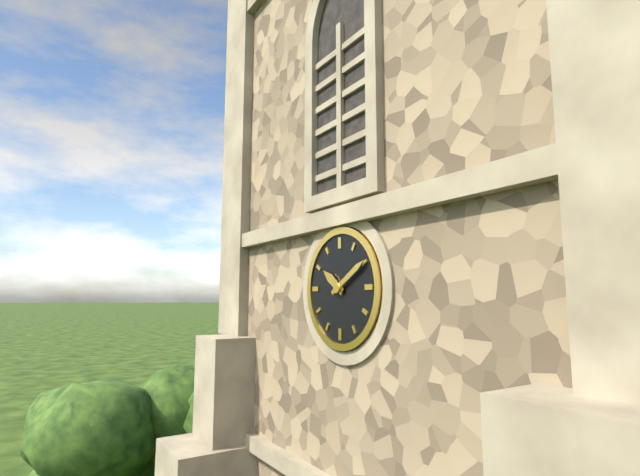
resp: 10,10
